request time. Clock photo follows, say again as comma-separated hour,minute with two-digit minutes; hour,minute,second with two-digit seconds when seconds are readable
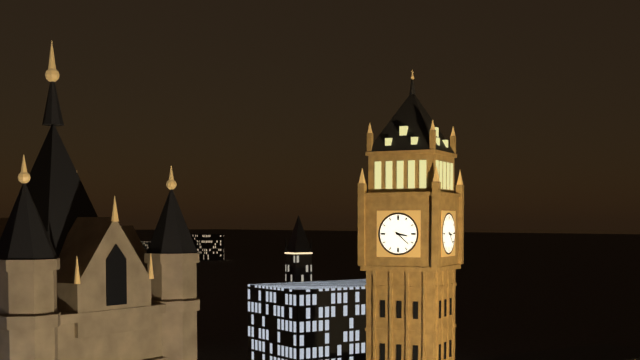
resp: 3,22
